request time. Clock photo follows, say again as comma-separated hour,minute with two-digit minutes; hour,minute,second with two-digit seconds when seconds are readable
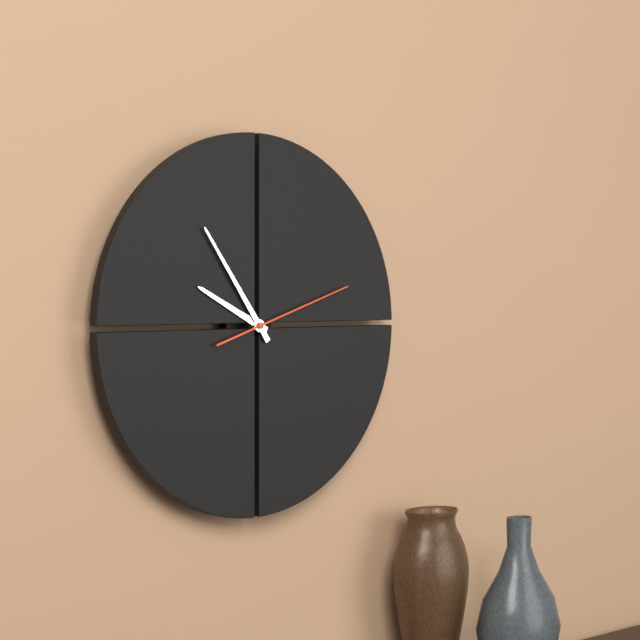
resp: 9,54,12
